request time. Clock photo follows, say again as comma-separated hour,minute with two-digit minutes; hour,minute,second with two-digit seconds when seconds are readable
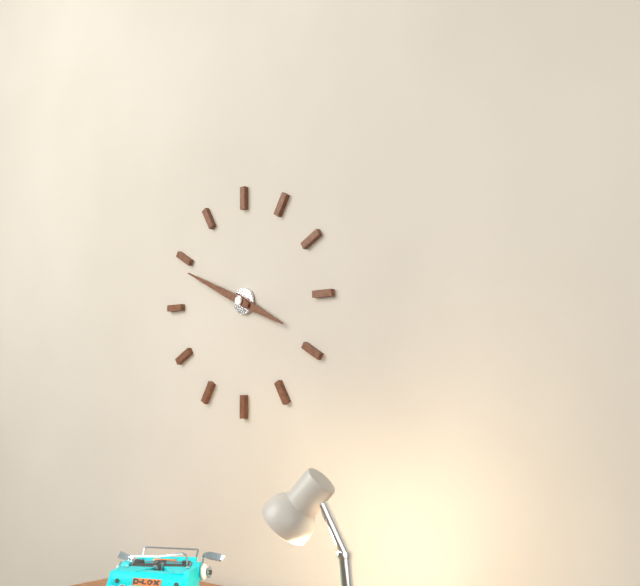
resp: 3,49
